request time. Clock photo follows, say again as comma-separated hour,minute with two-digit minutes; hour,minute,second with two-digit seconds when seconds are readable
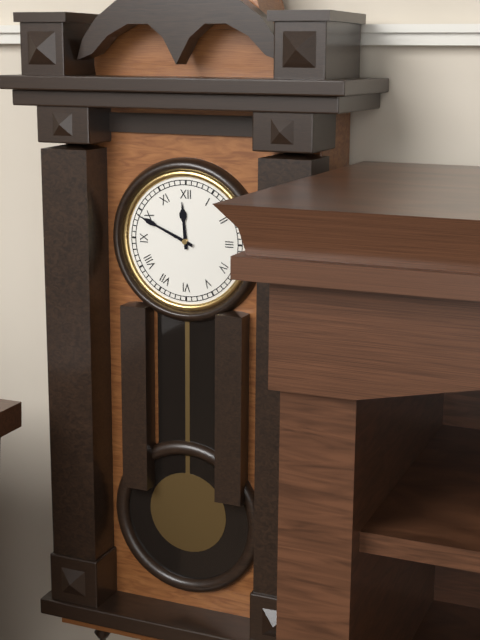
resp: 11,49
